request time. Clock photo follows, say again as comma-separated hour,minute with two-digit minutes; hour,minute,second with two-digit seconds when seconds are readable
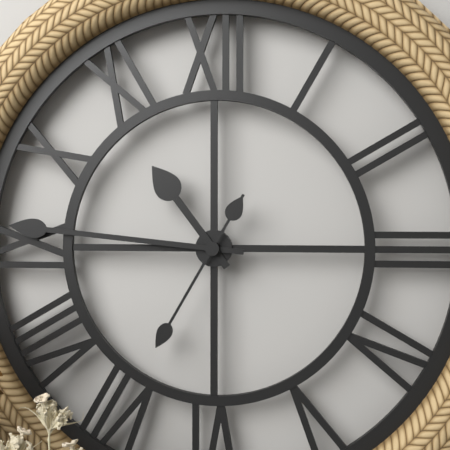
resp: 10,46,35
